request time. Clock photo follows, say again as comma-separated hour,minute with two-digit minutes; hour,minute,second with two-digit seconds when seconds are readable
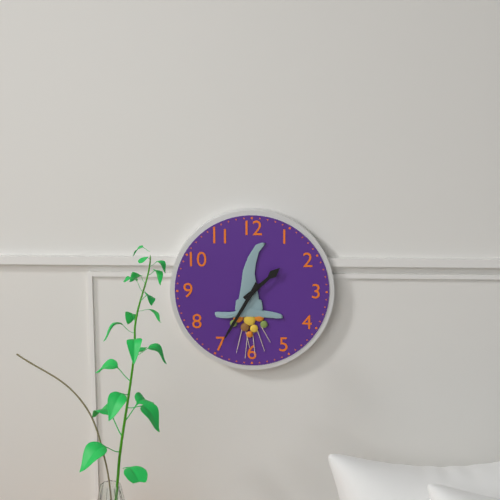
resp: 1,35
